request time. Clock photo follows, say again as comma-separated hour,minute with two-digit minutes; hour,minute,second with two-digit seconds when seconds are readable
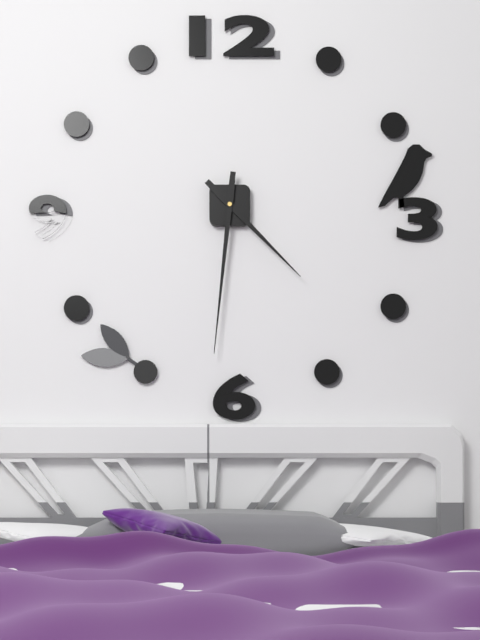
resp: 4,31
